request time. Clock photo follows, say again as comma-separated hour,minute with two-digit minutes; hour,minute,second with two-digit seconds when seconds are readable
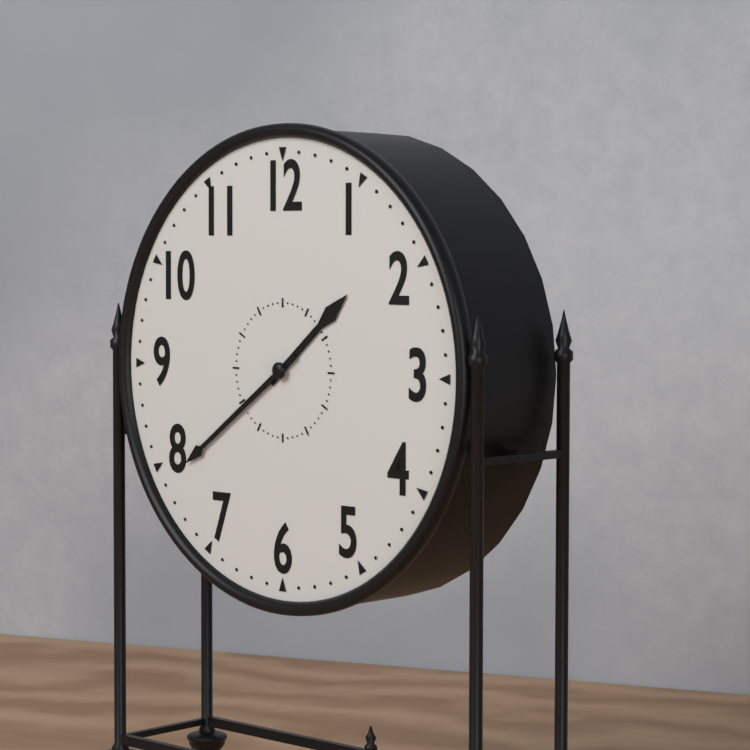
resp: 1,39
